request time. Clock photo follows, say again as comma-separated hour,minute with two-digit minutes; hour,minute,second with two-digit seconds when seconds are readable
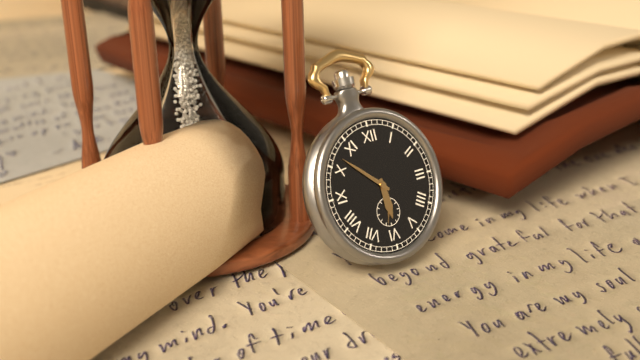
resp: 5,52
